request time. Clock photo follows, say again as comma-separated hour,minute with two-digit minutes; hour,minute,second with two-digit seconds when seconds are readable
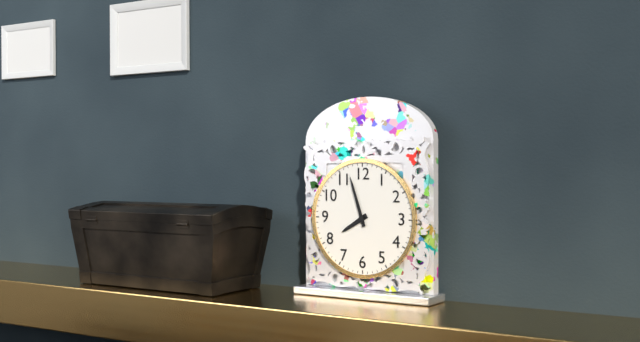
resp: 7,57
